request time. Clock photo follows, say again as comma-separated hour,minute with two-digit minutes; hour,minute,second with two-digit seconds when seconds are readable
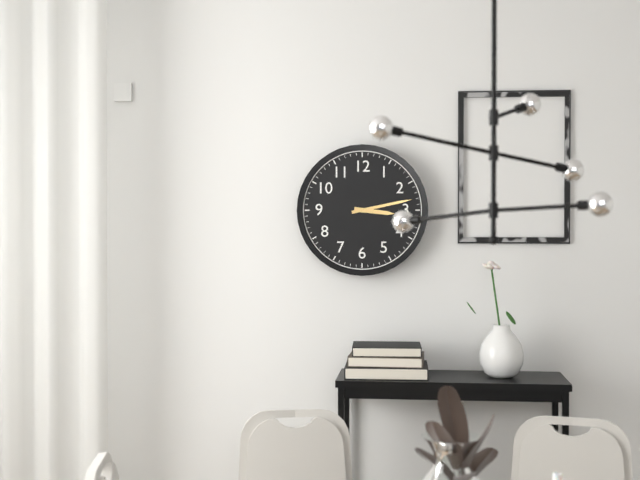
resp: 3,13
